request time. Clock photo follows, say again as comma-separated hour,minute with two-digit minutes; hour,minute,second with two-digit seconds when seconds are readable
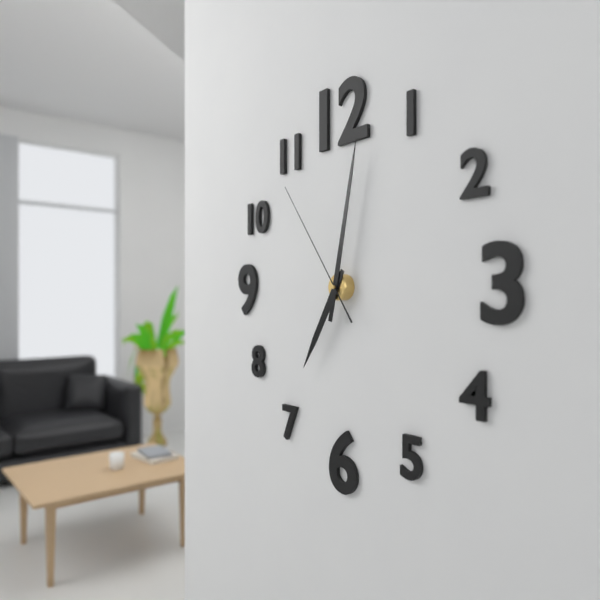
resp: 7,02,54
